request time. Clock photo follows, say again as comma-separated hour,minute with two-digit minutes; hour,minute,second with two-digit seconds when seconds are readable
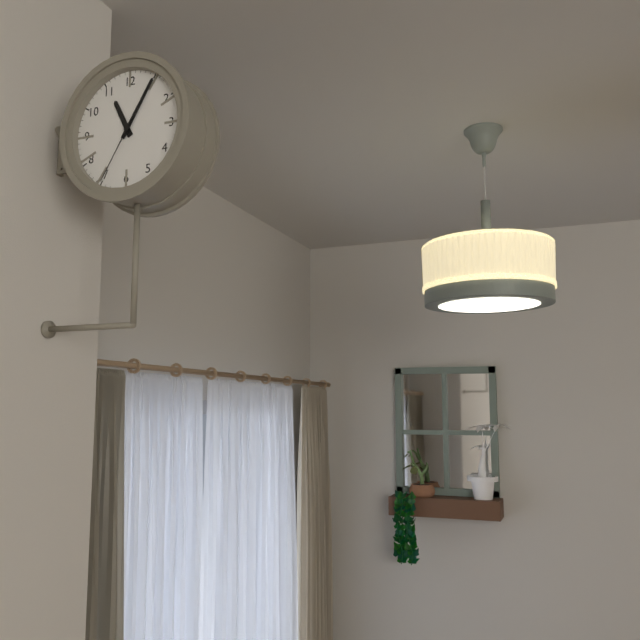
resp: 11,05,35
